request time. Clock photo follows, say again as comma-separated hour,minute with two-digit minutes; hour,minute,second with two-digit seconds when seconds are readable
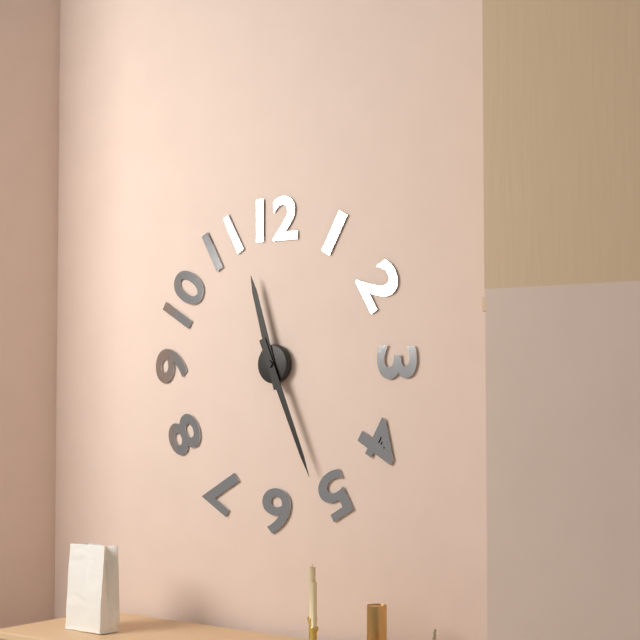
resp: 11,26
